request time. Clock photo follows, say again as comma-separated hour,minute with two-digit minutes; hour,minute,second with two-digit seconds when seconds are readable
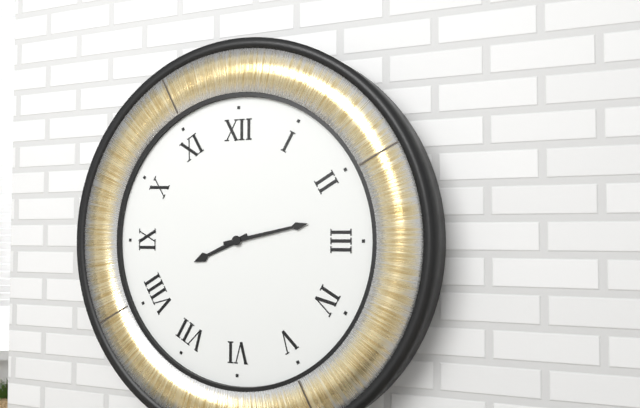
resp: 8,13
